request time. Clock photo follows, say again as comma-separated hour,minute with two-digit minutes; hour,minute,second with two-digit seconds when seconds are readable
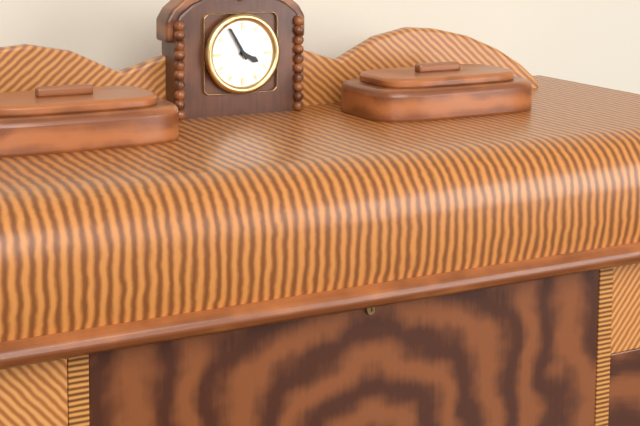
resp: 3,55
